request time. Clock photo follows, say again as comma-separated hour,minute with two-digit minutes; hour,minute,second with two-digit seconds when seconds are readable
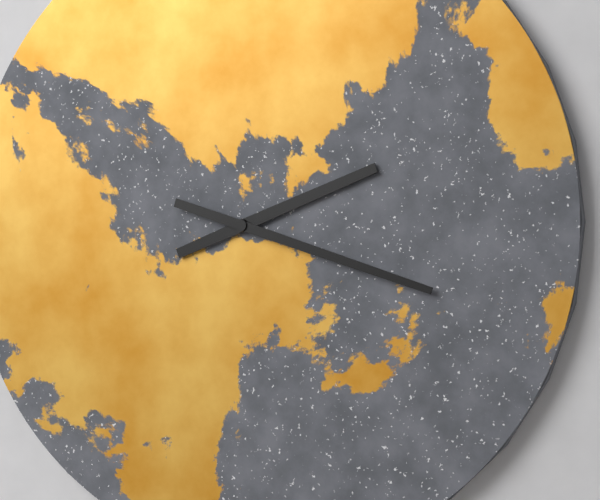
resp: 2,18
